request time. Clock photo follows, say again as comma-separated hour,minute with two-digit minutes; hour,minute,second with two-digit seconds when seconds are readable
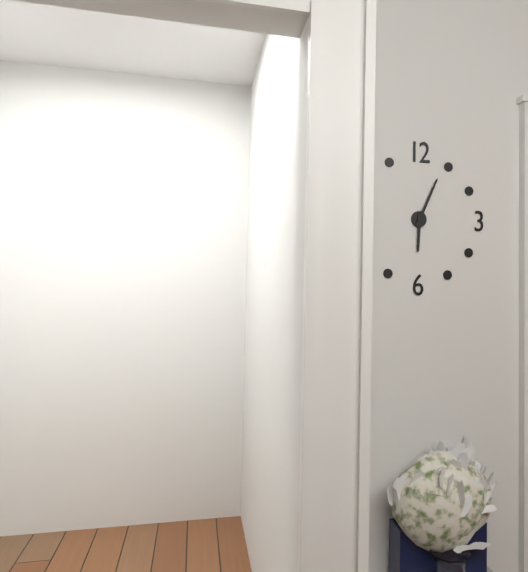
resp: 6,04
